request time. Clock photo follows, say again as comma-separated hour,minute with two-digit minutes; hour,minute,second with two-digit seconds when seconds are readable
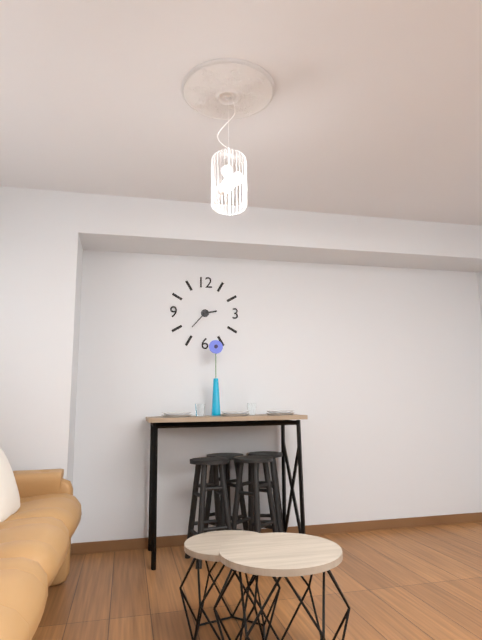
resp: 2,37
